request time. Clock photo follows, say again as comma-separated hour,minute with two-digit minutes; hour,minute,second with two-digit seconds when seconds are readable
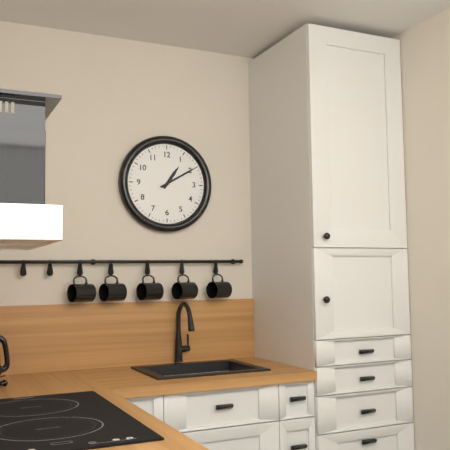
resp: 1,10
